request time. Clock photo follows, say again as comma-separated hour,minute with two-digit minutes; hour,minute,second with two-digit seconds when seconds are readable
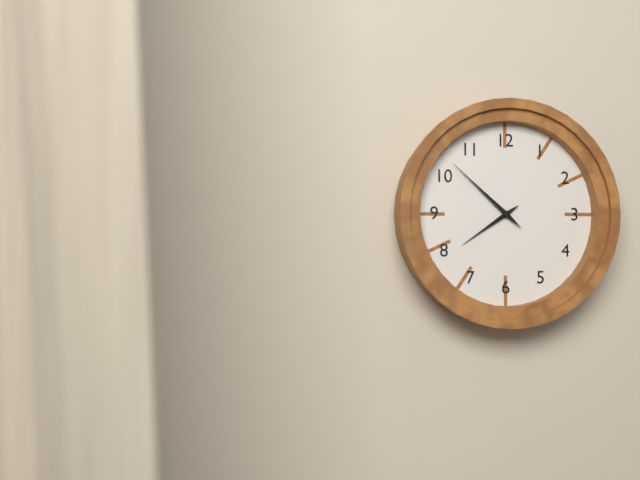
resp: 7,52
